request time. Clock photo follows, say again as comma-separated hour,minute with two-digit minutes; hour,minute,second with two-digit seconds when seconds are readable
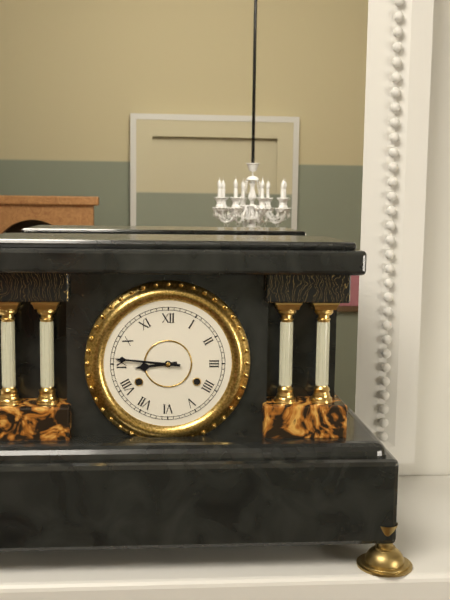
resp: 8,46
